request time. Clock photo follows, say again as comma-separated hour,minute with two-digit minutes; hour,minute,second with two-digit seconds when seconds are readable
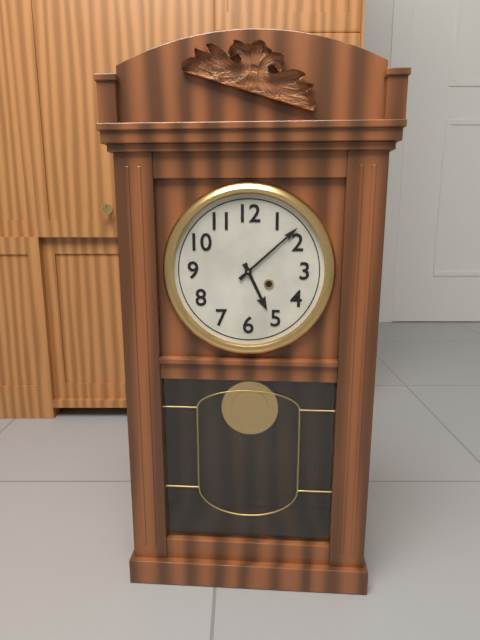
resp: 5,08
